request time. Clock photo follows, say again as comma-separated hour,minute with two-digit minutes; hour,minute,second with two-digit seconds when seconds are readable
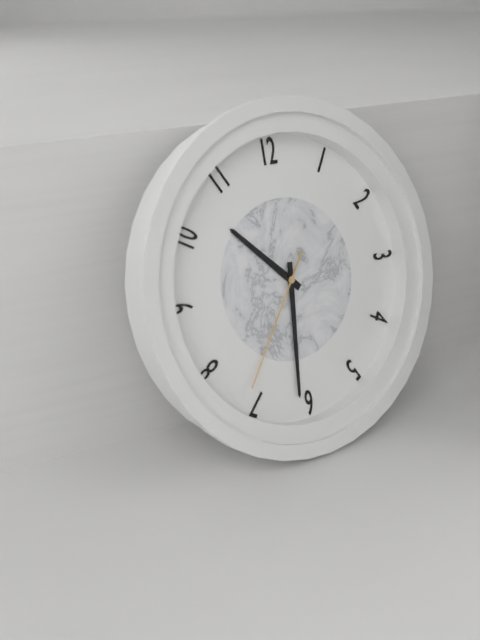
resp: 10,31,36
